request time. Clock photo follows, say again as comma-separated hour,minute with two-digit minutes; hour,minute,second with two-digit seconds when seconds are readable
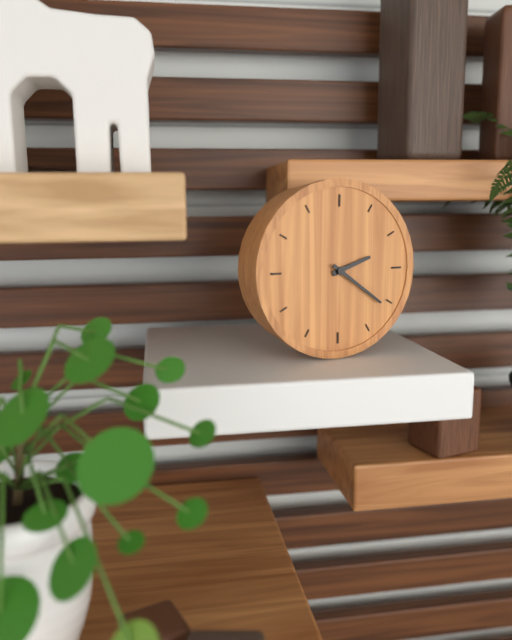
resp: 2,21
